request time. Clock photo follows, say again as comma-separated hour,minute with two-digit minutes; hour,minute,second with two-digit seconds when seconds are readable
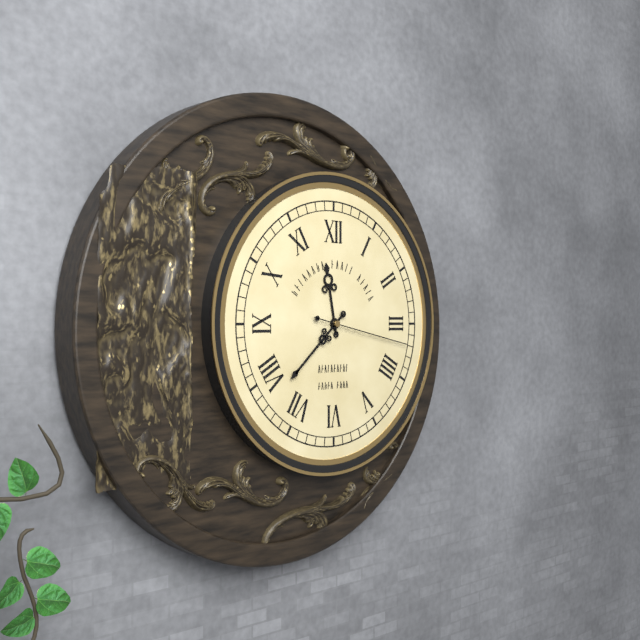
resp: 11,38,17
